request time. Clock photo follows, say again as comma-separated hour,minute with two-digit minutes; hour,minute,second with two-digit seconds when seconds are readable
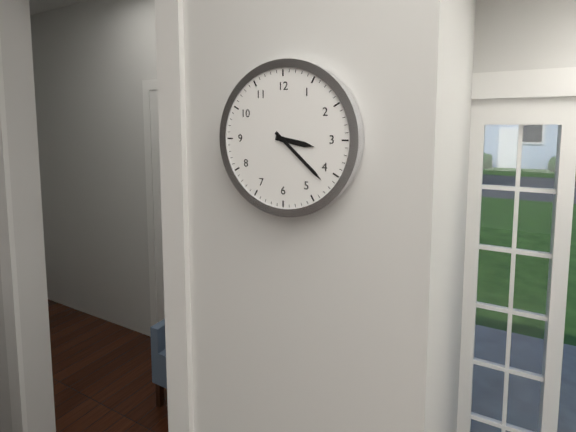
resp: 3,22
